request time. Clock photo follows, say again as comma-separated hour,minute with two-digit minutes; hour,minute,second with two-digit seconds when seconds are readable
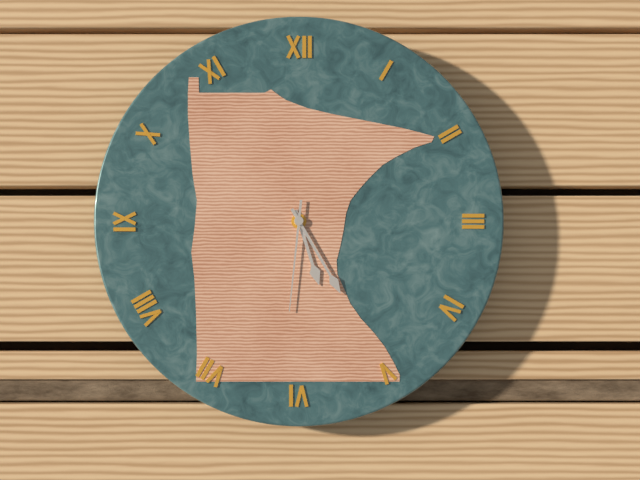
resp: 5,25,31
